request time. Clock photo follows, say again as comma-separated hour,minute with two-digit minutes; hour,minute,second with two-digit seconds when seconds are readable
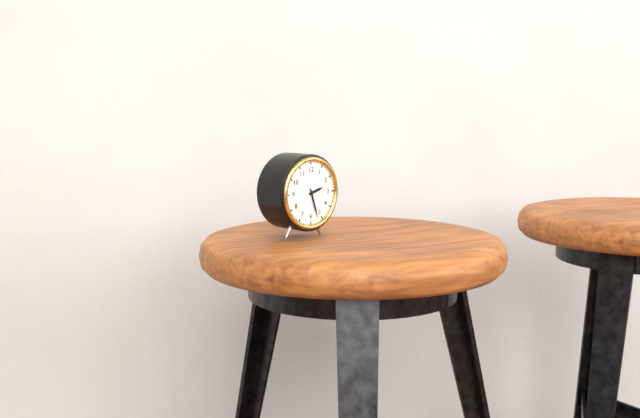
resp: 2,27
